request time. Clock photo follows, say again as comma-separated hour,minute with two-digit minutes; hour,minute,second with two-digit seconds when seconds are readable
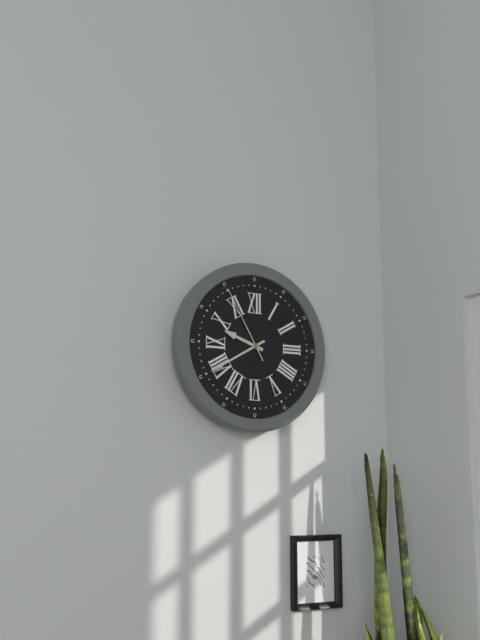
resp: 9,40,55
